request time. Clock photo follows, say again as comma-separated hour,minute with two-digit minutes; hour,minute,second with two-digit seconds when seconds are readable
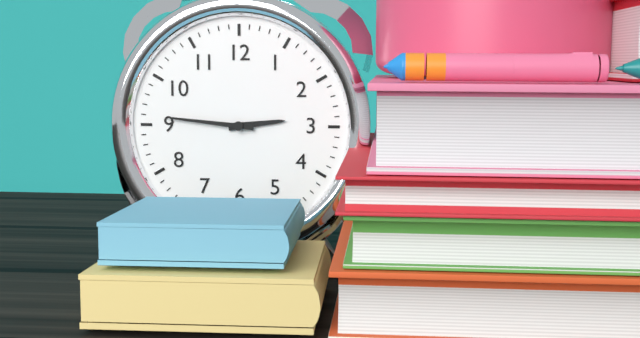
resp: 2,46
